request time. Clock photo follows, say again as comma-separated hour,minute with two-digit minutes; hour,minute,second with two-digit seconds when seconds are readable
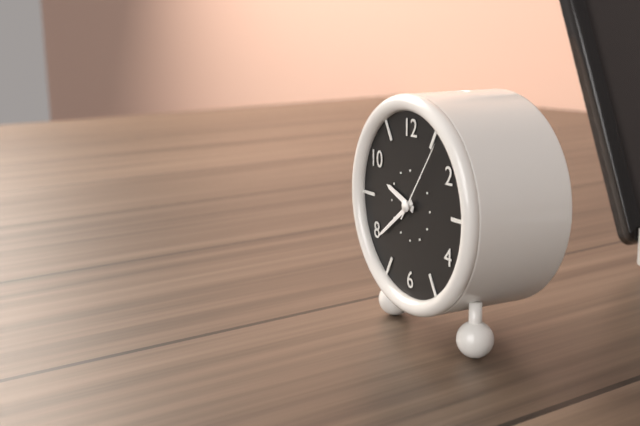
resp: 9,39,06
